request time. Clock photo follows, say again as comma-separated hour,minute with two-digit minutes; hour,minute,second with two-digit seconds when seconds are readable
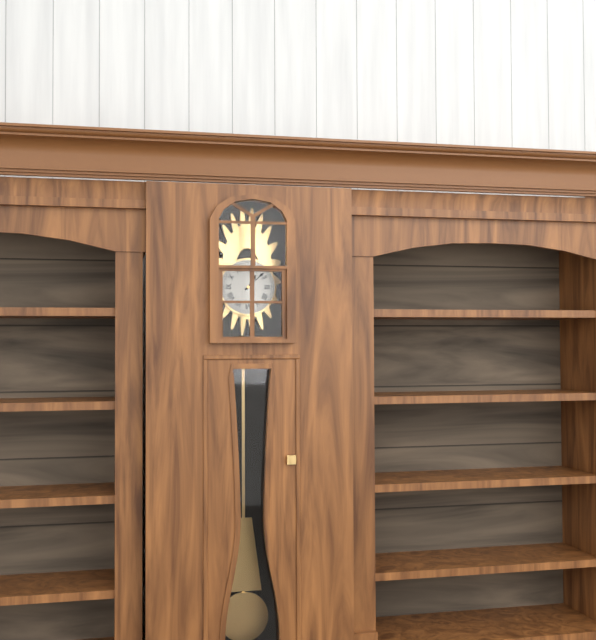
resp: 1,08
